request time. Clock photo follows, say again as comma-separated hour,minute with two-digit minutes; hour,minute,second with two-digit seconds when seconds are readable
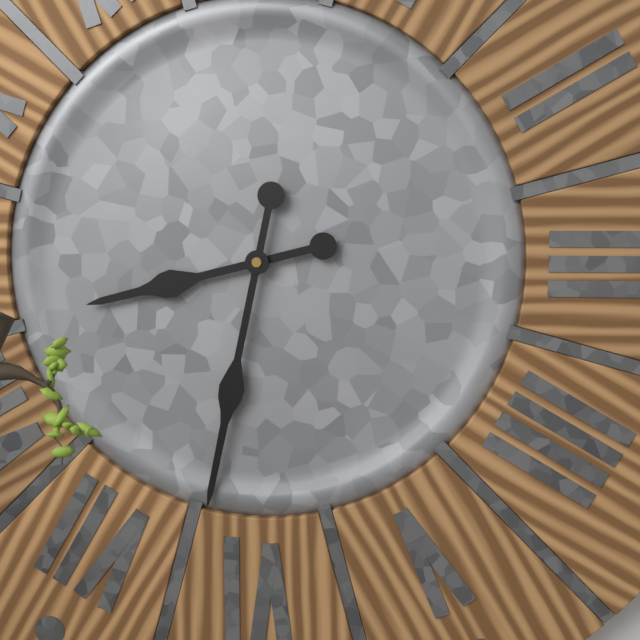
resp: 8,32
